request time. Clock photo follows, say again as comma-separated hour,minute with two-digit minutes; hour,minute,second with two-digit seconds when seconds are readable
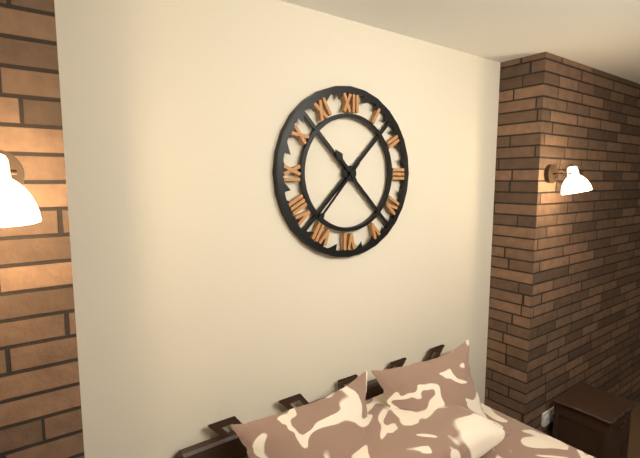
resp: 10,37
